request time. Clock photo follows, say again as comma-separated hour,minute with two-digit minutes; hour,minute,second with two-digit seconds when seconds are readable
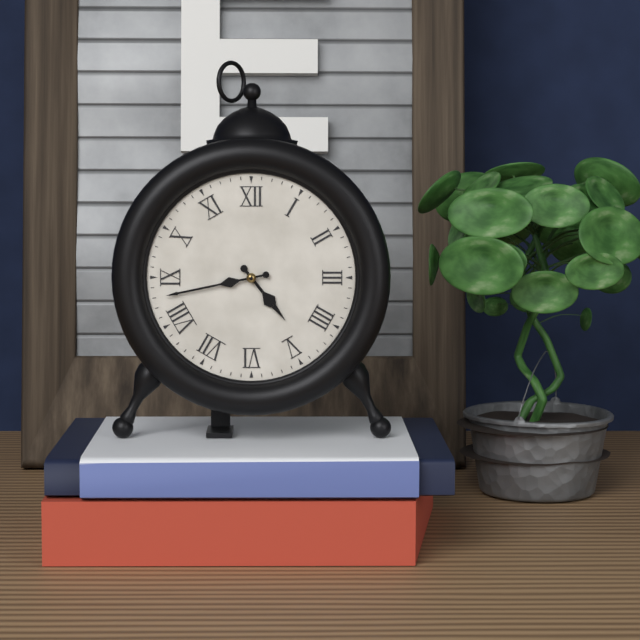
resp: 4,43
